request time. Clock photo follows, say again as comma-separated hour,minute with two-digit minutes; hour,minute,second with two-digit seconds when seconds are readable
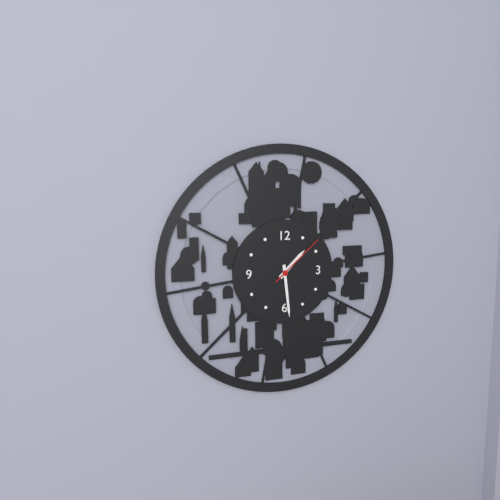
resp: 1,29,08
